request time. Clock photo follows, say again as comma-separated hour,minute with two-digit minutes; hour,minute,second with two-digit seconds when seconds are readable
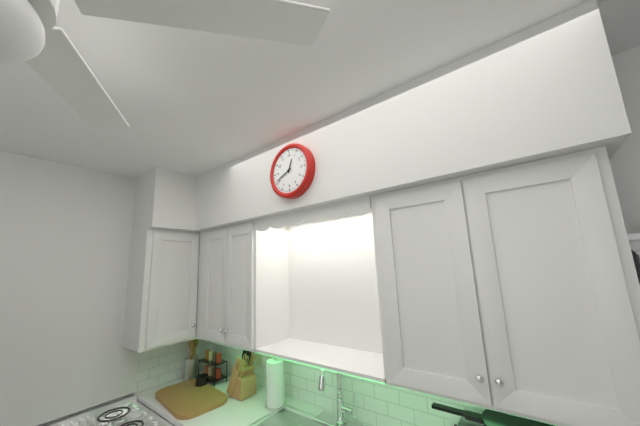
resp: 12,41
